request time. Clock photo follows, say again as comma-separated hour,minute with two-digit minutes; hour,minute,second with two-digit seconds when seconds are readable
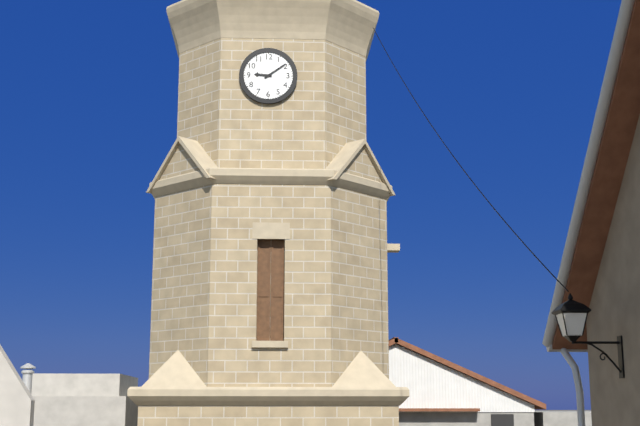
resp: 9,09
